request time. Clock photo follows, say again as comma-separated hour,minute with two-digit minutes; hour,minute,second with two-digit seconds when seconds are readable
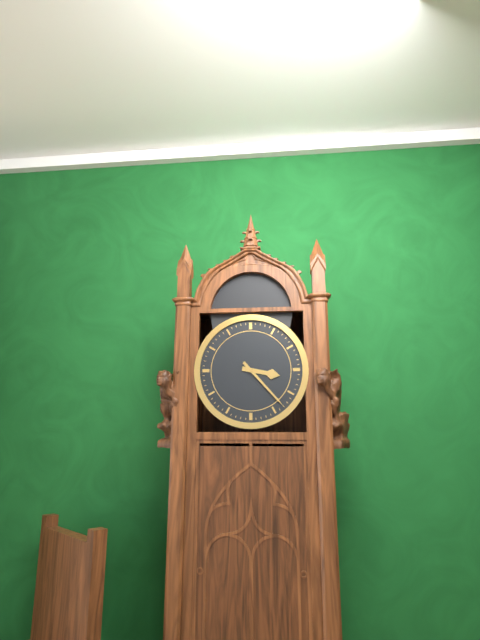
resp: 3,23
